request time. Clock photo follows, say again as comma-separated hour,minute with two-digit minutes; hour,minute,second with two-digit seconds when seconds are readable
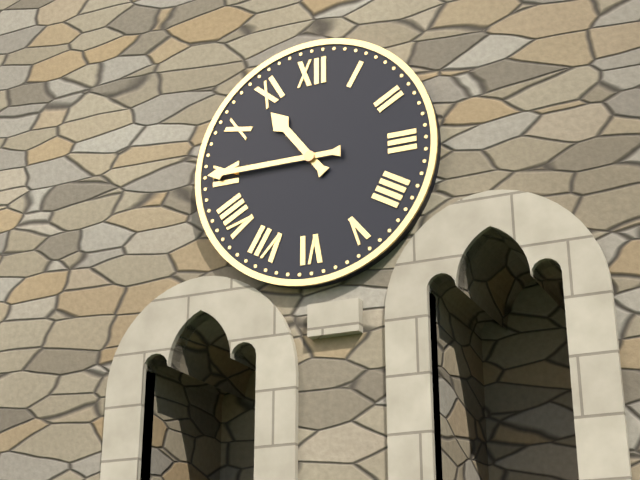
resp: 10,45
